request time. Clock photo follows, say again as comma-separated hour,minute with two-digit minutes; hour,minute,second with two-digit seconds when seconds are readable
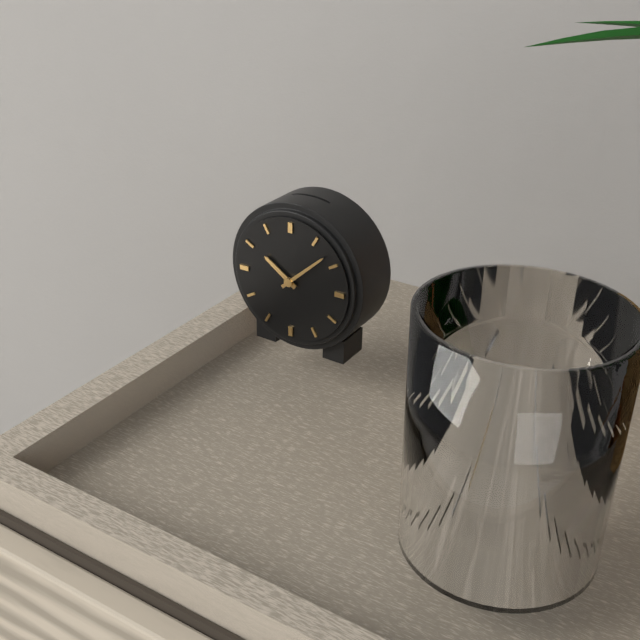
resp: 10,08
